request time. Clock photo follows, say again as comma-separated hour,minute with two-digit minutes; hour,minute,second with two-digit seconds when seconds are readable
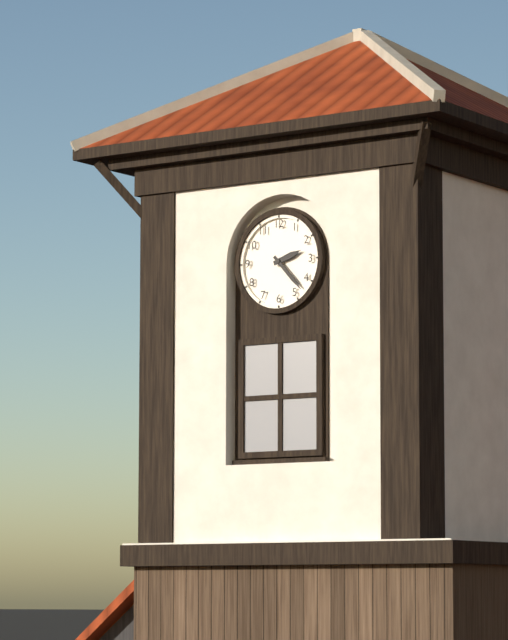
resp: 2,23
